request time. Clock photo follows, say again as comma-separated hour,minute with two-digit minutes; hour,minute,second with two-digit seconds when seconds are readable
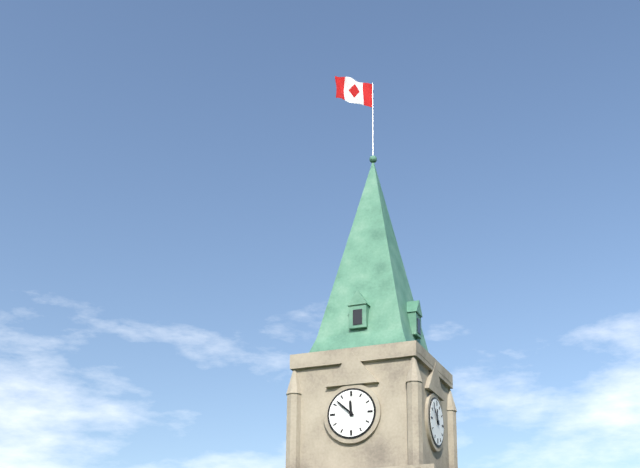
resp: 11,52
